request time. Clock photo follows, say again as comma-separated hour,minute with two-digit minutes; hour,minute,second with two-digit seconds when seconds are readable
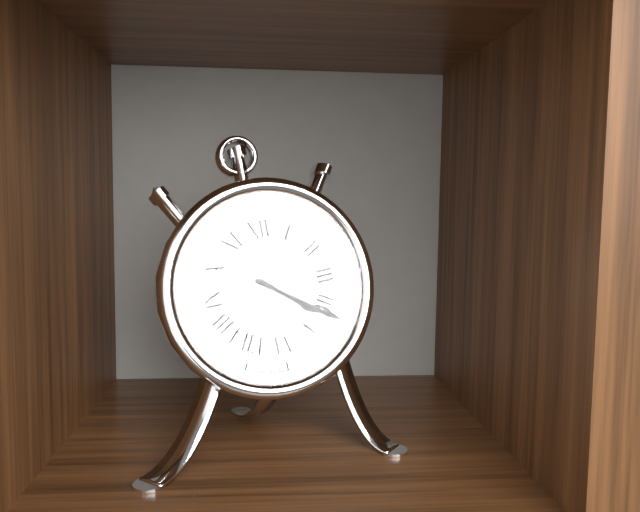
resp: 4,21
